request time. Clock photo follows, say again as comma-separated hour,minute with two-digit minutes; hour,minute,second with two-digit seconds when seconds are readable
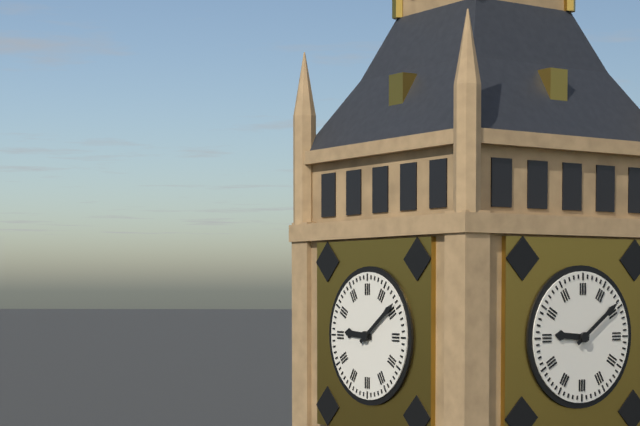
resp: 9,09
